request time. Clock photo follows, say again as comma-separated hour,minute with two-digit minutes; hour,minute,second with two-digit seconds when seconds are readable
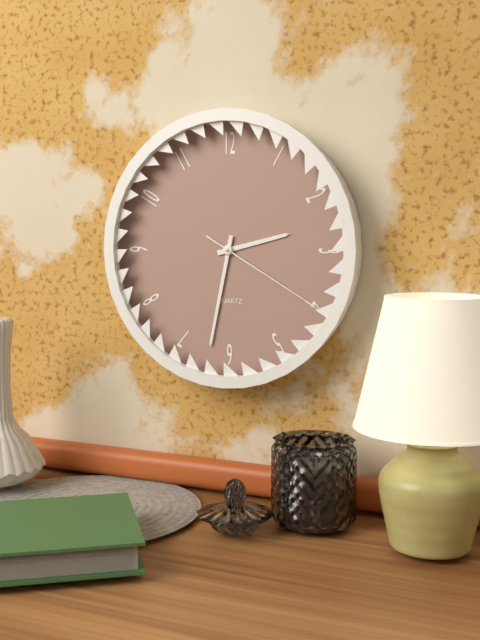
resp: 2,32,20
